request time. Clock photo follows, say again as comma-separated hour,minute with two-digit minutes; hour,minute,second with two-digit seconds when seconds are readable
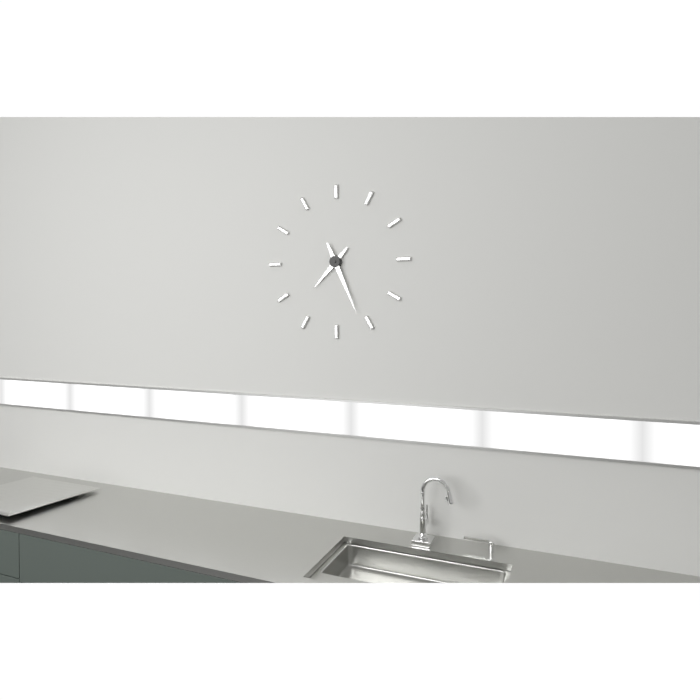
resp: 7,26
